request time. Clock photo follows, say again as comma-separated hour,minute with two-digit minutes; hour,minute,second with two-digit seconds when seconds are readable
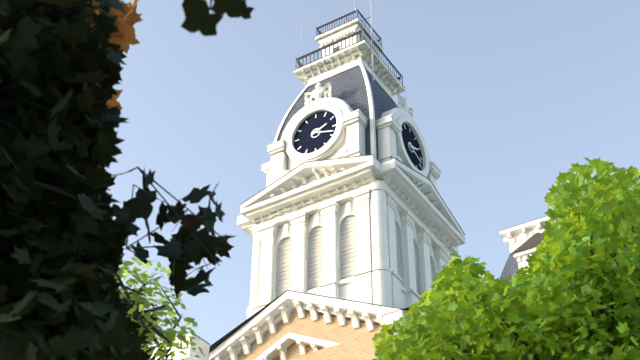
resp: 2,18
